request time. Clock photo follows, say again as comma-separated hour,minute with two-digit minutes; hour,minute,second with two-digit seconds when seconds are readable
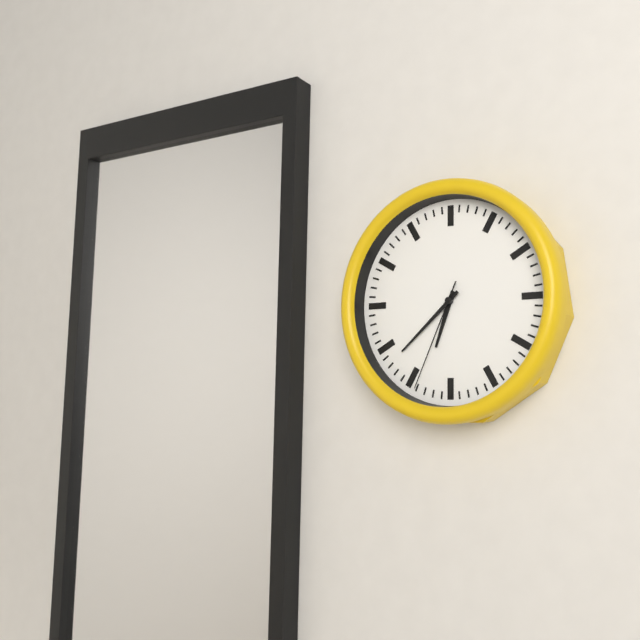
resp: 6,38,34
